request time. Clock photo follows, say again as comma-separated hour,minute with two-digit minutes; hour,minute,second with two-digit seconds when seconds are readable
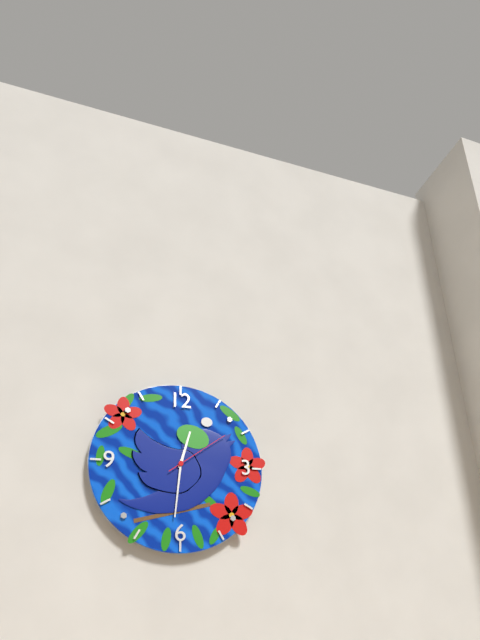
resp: 12,31,09
